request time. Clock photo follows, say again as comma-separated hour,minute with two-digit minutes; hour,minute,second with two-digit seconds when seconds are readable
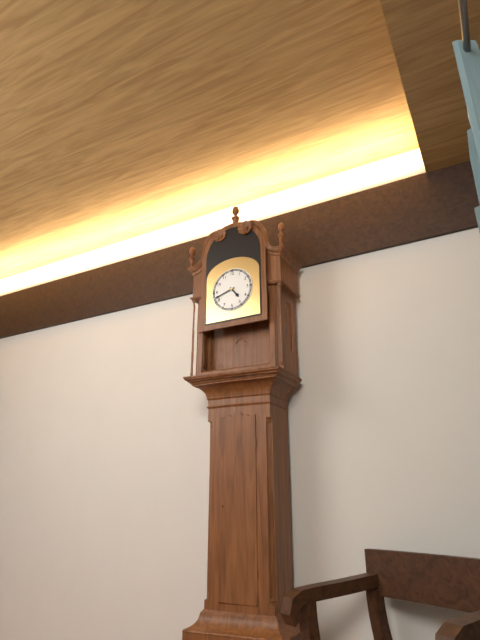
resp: 4,42
